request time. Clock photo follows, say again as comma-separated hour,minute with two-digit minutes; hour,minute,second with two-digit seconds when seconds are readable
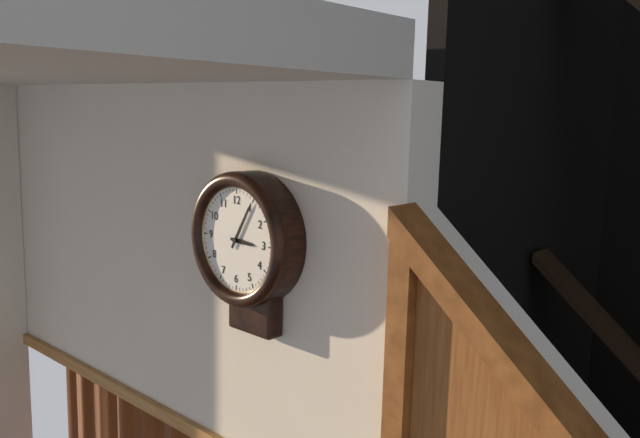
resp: 3,05
